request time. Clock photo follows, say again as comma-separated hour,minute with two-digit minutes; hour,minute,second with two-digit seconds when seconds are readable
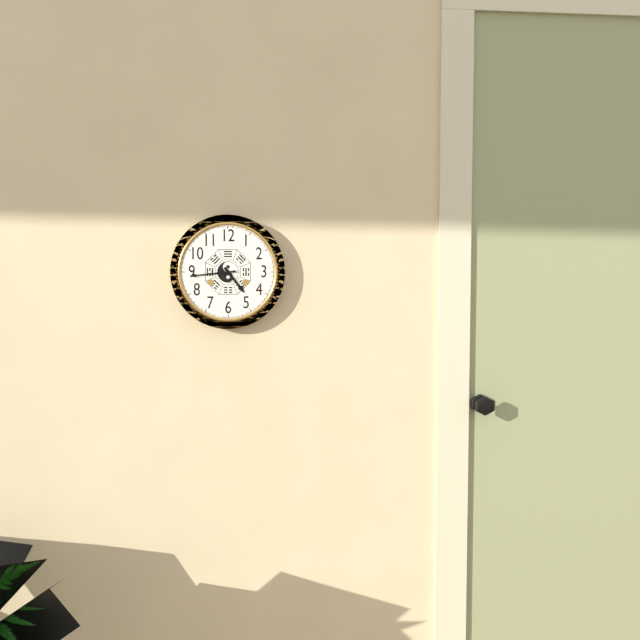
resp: 4,44
